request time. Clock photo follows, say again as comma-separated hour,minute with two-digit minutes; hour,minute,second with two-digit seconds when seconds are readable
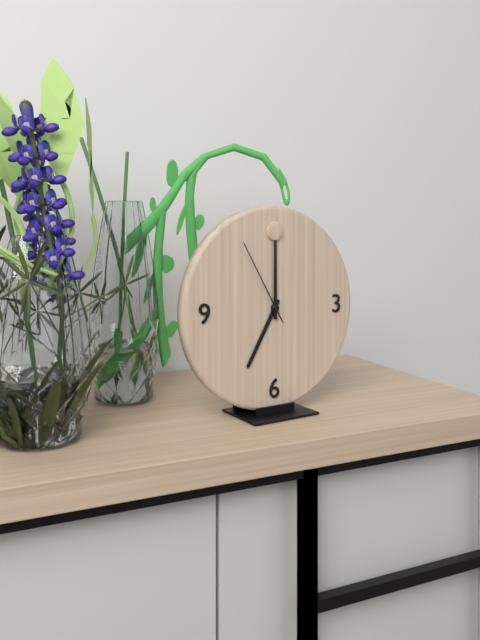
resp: 7,00,55
